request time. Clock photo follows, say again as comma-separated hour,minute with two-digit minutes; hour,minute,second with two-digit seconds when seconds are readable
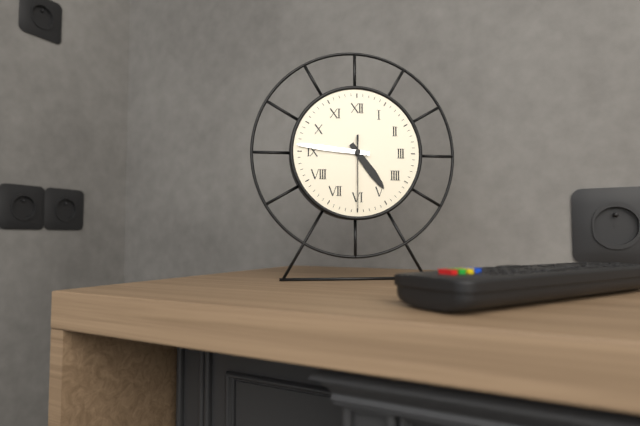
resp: 4,46,30
